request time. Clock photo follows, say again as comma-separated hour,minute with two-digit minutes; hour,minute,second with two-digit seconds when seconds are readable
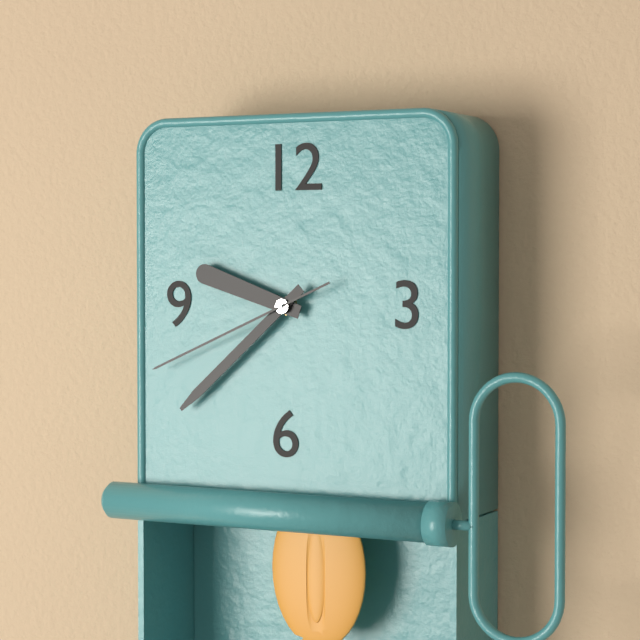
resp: 9,38,41
